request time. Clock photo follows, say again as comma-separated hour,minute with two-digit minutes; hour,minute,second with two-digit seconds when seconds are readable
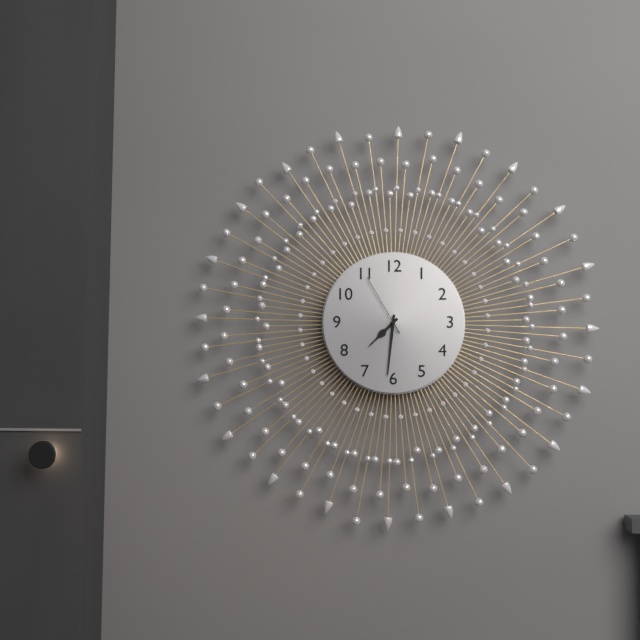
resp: 7,31,55
